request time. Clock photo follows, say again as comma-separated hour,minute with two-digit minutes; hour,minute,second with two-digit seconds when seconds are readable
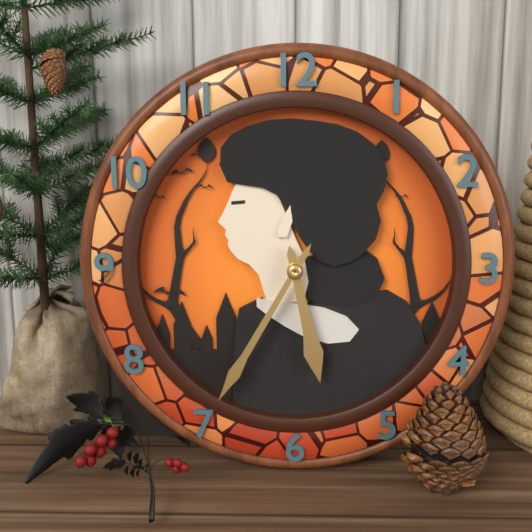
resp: 5,35
